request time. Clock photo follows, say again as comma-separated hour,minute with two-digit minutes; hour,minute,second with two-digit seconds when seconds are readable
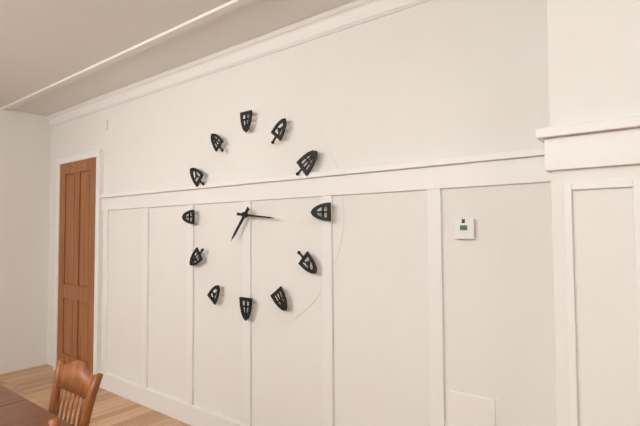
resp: 7,16
